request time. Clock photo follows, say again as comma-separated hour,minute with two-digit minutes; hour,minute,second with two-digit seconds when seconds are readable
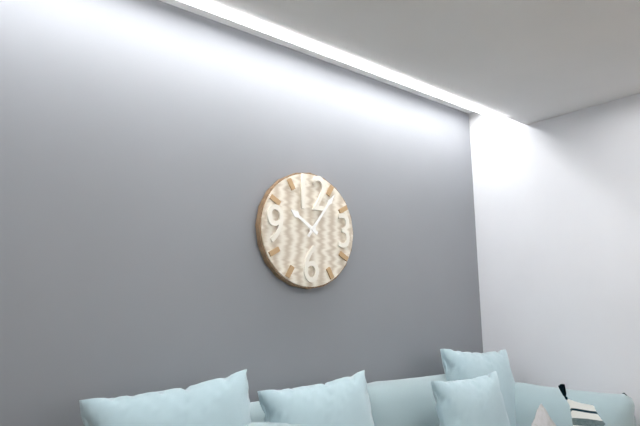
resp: 10,06
